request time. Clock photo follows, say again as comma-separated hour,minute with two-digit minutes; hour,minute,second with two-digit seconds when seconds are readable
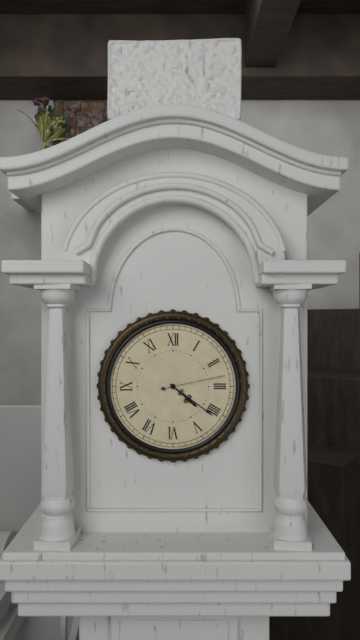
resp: 4,21,13
